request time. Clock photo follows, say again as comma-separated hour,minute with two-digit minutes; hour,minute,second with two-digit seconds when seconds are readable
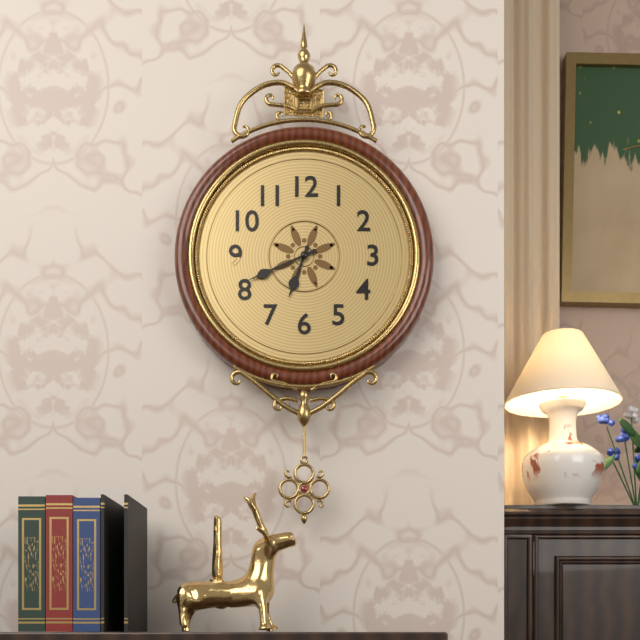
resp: 6,41
